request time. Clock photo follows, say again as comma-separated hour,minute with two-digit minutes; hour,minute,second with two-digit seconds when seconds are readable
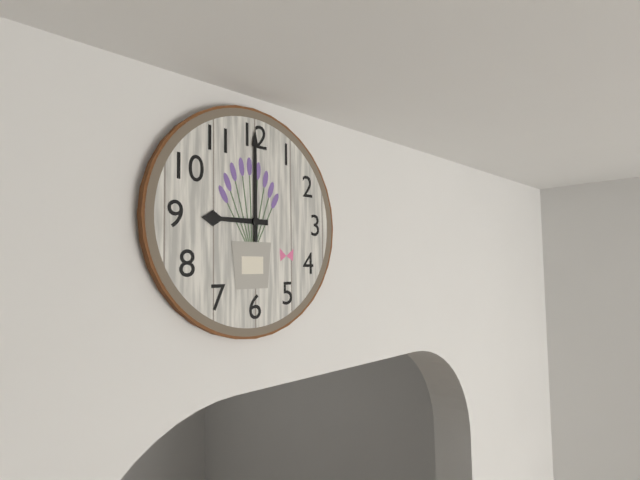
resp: 9,00
